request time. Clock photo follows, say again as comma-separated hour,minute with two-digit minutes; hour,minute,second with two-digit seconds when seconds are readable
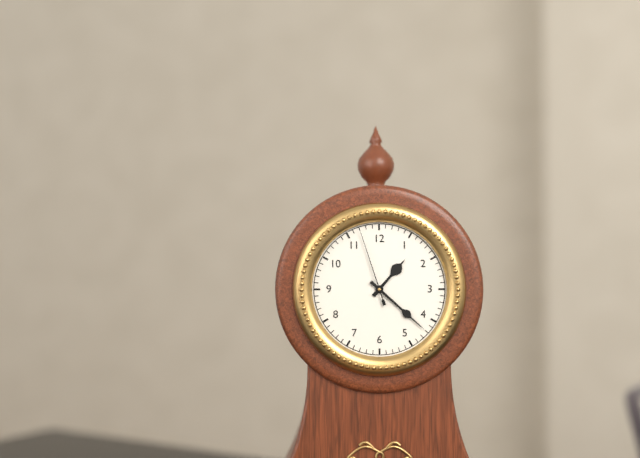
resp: 1,22,57
